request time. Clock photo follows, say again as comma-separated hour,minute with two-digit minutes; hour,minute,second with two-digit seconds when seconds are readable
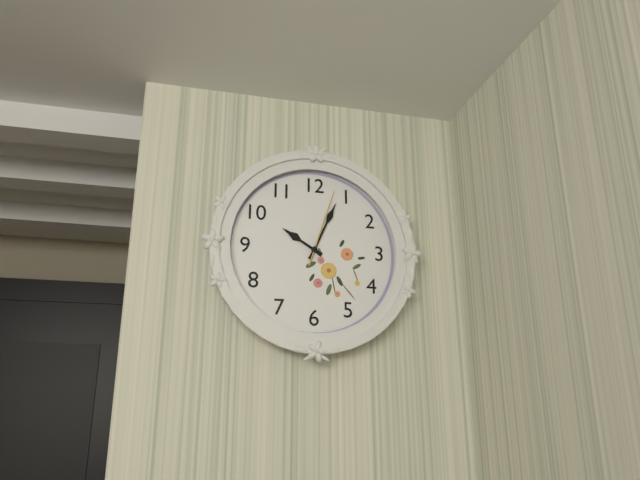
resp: 10,04,03
